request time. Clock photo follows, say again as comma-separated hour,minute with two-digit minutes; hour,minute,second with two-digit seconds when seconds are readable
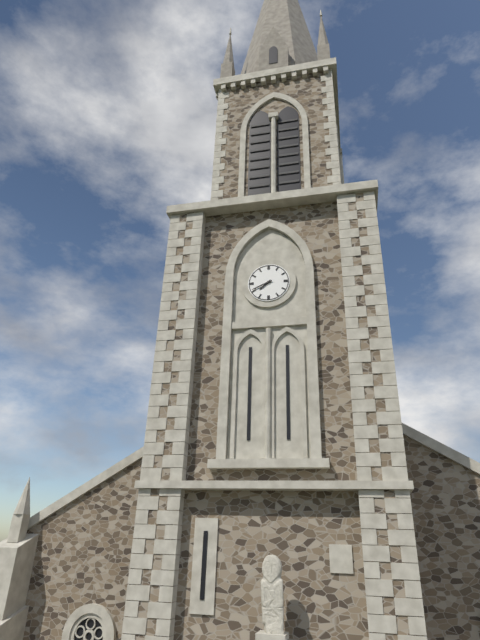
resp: 7,41
